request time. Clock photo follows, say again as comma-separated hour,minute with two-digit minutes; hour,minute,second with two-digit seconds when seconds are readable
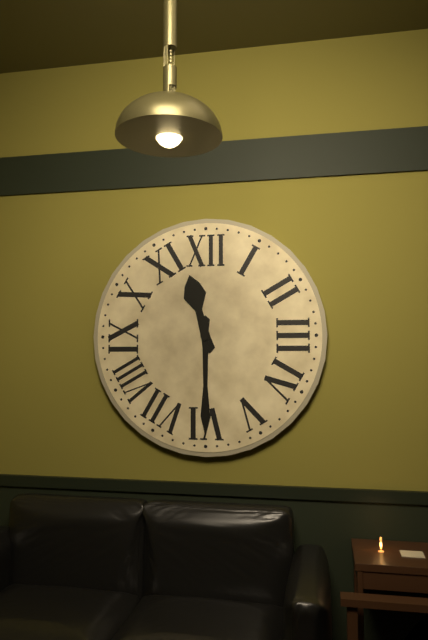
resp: 11,30
